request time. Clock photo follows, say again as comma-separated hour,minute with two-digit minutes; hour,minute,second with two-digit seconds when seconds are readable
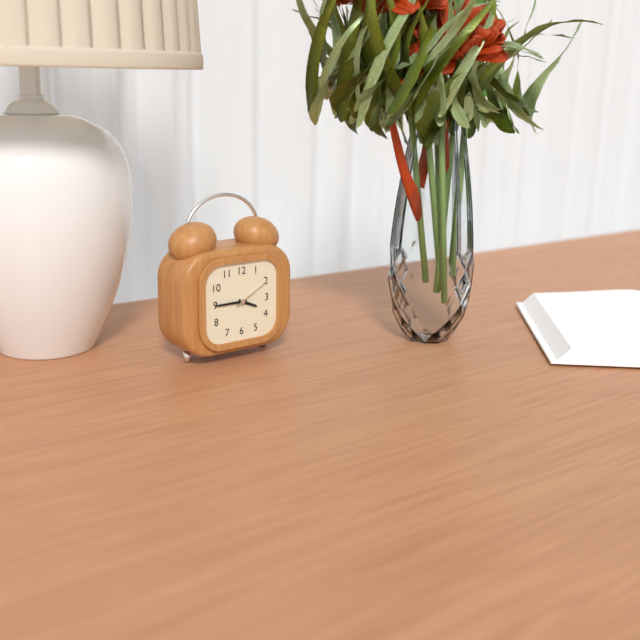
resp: 3,45
